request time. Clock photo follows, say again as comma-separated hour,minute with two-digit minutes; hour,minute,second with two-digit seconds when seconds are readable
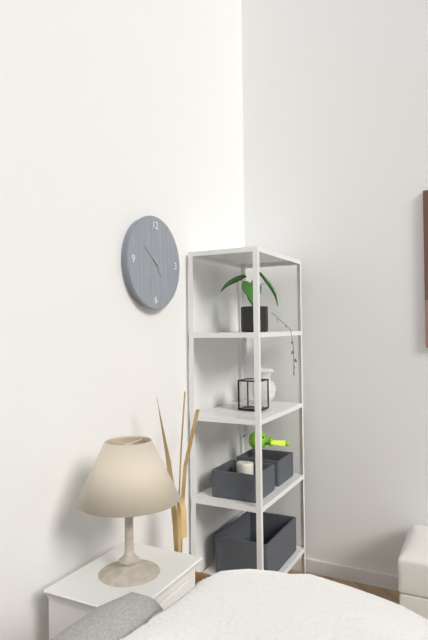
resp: 4,51
